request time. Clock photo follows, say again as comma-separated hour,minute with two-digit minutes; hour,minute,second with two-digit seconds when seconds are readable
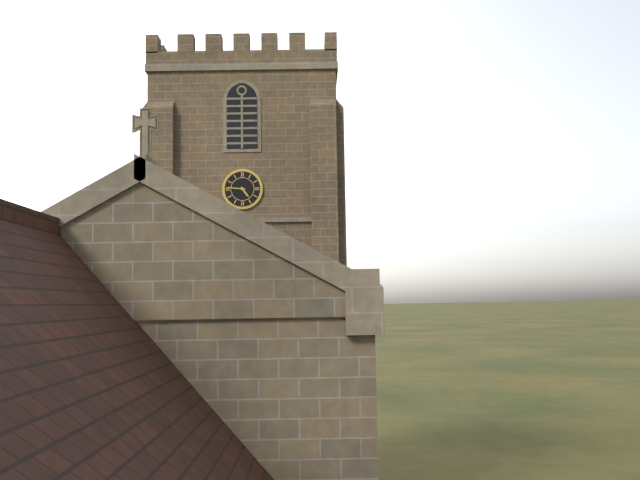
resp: 4,46
